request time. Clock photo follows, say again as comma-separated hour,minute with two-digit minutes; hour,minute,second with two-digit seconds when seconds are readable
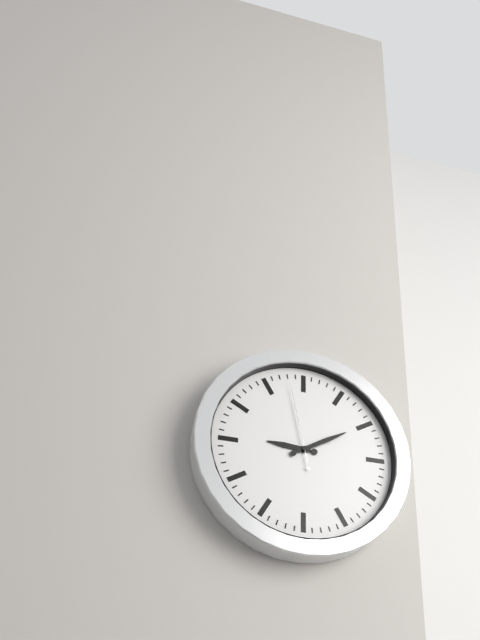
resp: 9,10,58
